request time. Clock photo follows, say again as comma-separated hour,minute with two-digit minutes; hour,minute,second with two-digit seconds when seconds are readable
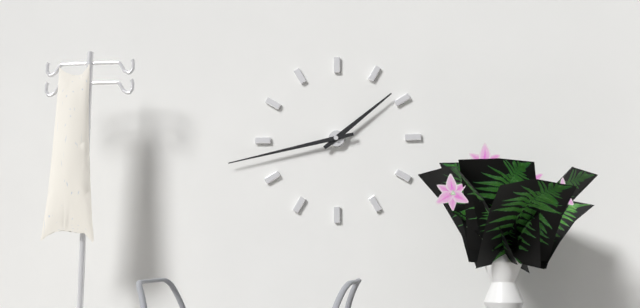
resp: 1,43
